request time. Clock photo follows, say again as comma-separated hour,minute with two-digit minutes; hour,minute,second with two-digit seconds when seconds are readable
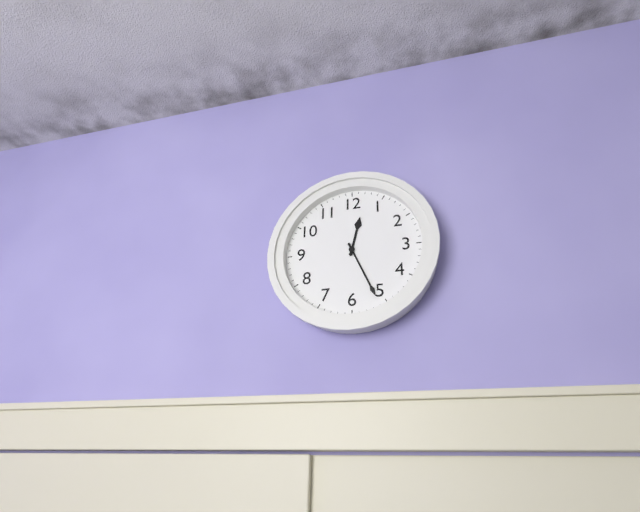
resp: 12,26
